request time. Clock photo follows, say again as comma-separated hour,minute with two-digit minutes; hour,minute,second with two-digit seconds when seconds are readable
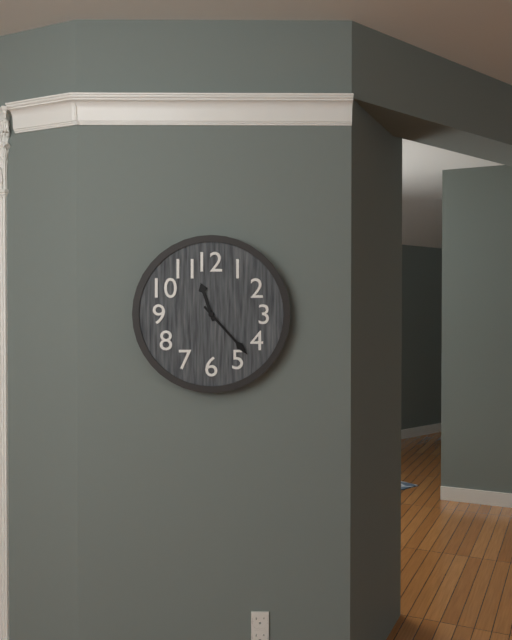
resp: 11,23
